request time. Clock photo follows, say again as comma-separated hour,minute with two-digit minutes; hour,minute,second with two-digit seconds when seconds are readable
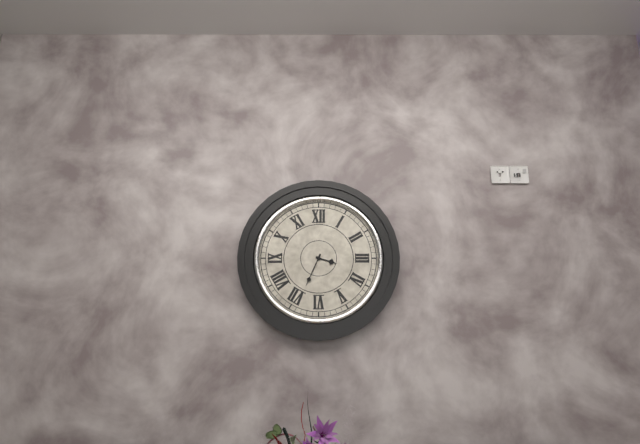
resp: 3,34
